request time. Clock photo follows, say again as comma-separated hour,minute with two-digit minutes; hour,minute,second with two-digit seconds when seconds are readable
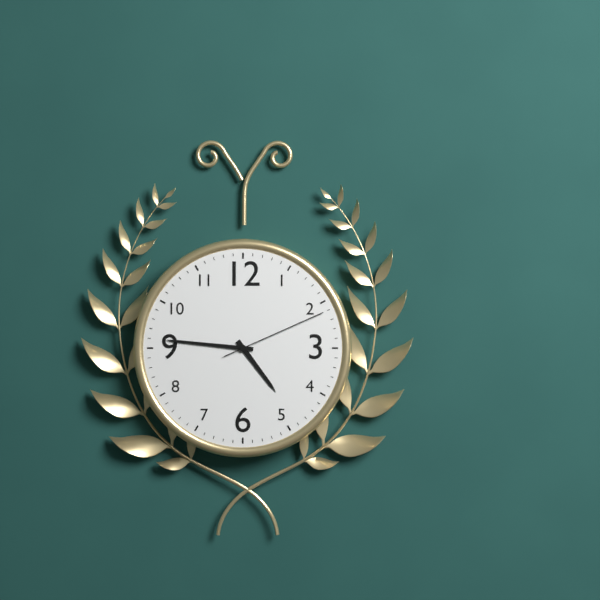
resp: 4,46,11
